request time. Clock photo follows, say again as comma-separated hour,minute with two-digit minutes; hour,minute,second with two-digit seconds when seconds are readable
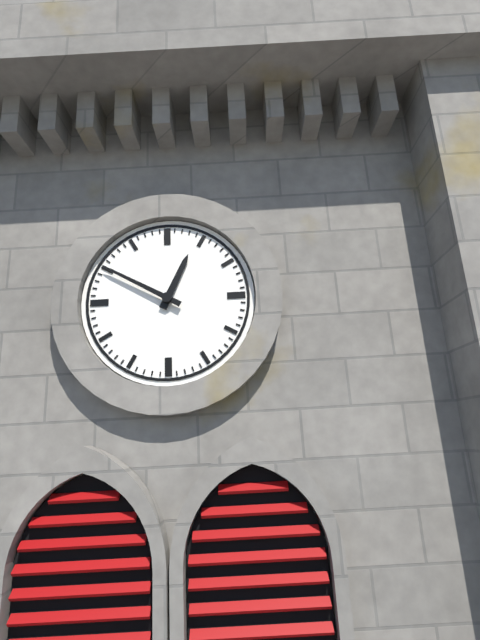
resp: 12,50
